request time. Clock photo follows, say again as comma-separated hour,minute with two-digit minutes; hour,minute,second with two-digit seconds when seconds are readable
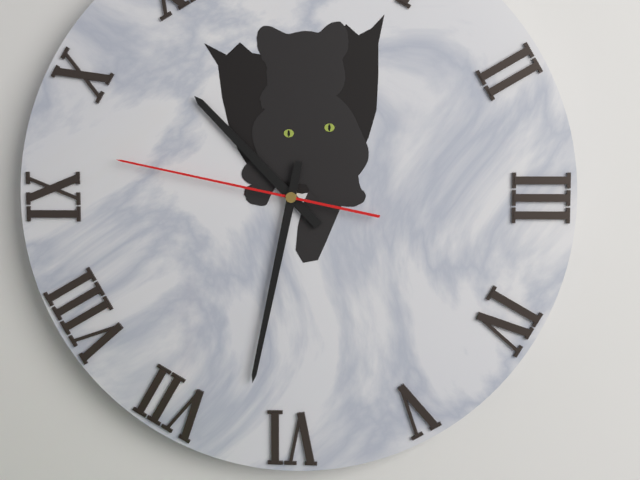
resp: 10,32,47
